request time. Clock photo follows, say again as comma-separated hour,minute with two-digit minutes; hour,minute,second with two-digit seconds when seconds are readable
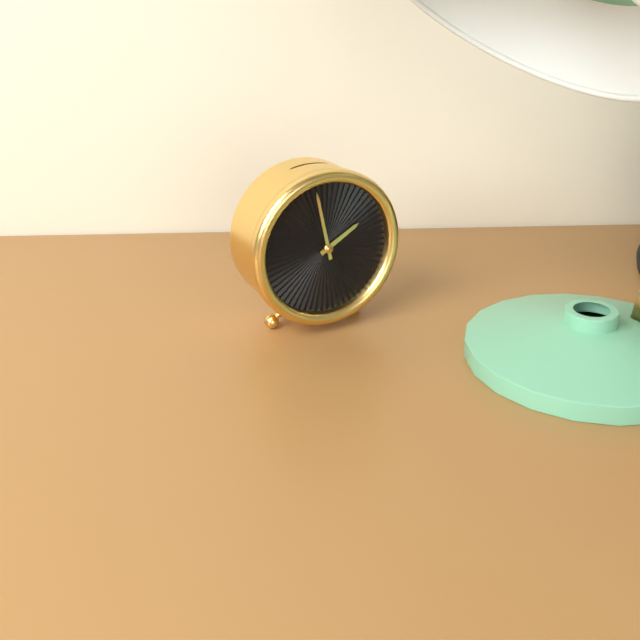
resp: 1,58
